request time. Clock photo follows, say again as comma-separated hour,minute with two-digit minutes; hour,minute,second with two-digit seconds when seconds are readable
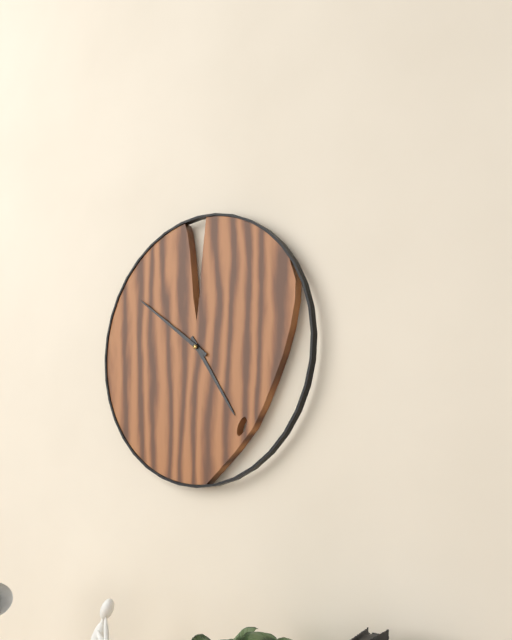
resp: 4,51
